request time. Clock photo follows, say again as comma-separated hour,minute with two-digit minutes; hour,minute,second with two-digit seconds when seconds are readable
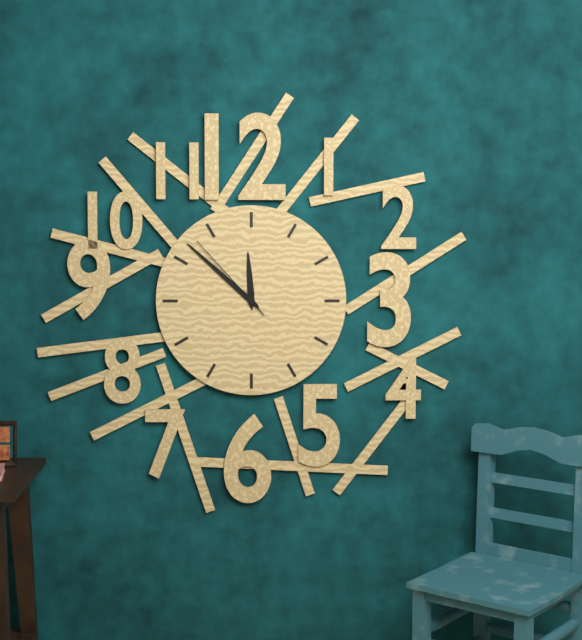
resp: 11,52,53
